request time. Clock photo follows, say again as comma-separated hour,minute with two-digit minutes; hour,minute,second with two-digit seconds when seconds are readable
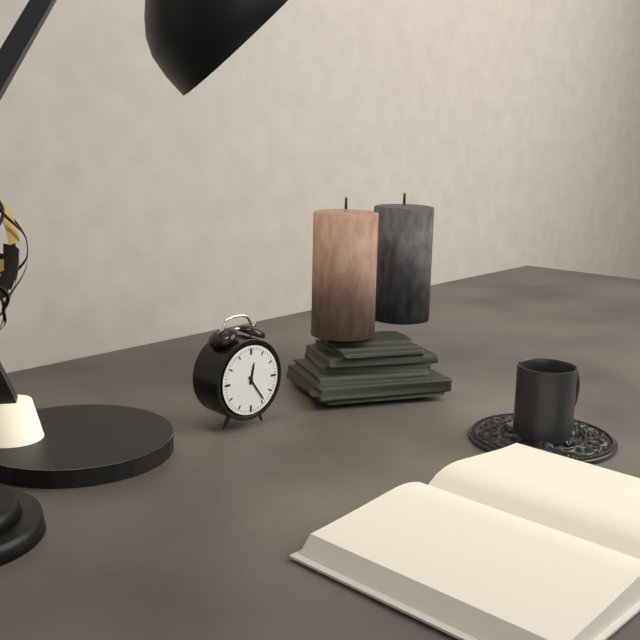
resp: 12,24
